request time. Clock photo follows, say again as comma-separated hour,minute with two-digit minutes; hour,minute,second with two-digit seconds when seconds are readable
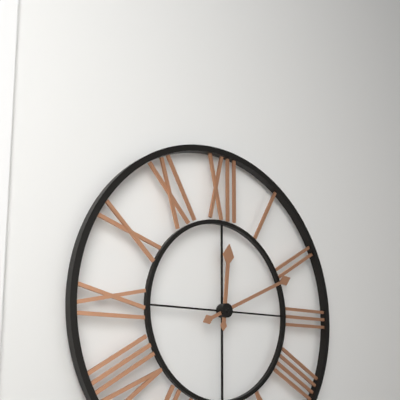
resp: 12,11
